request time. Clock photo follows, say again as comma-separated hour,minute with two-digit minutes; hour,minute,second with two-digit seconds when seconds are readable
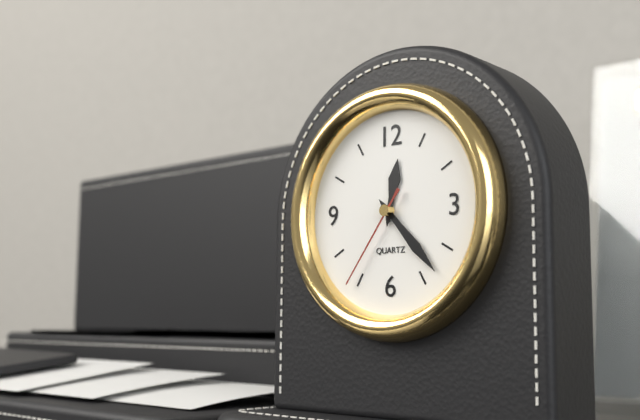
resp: 12,23,36
